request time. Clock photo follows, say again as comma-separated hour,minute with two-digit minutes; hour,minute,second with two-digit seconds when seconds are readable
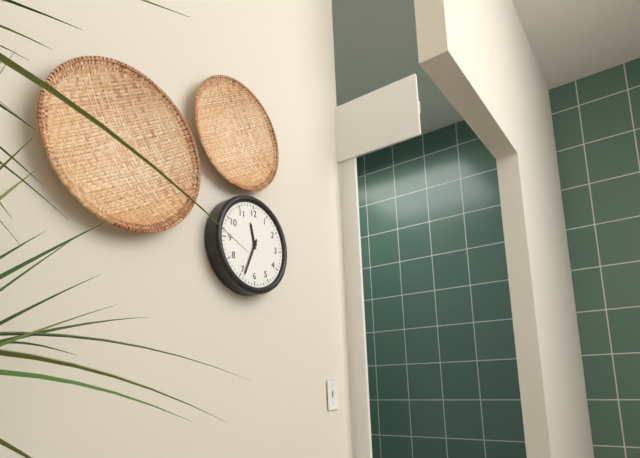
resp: 11,34
